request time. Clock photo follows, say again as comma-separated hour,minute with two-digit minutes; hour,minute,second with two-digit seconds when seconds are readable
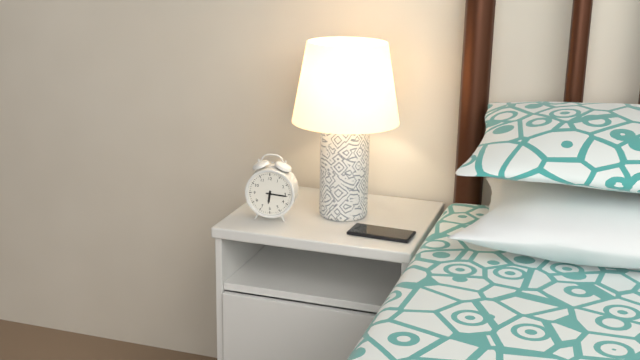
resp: 6,16
